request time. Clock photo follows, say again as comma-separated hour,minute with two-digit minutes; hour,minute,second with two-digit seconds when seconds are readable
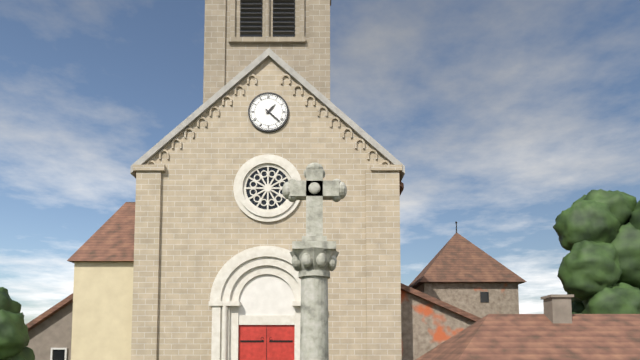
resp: 1,22
